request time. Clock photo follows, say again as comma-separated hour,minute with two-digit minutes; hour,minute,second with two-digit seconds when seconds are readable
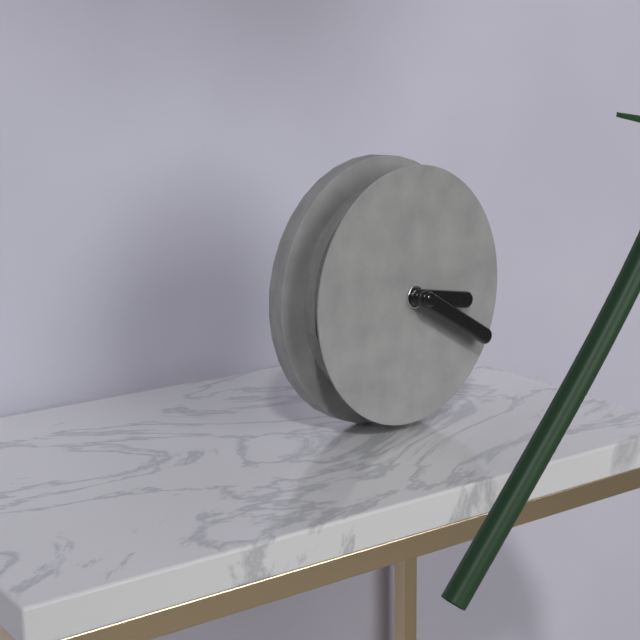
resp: 3,20
